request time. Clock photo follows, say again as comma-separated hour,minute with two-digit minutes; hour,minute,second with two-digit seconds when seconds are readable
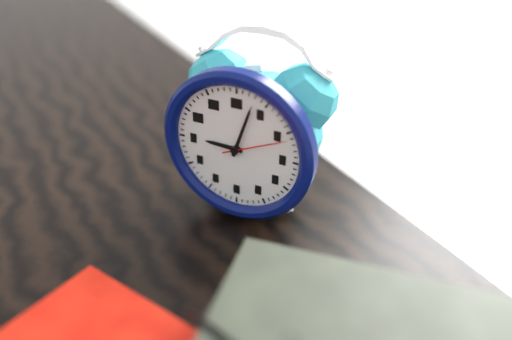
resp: 9,03,11
